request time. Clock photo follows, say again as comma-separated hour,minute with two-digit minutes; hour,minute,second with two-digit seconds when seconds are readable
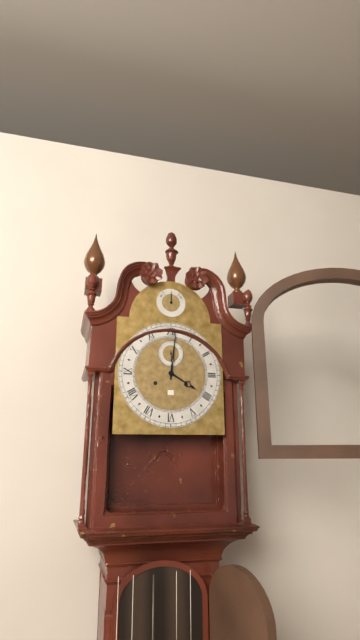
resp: 4,01
